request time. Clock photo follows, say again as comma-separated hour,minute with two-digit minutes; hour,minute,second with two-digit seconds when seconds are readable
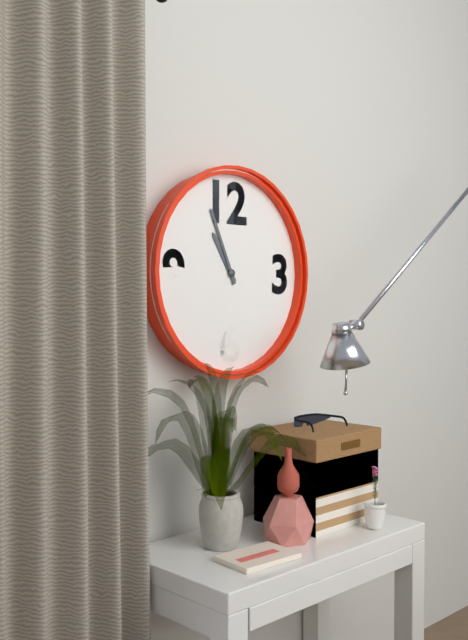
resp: 10,56
